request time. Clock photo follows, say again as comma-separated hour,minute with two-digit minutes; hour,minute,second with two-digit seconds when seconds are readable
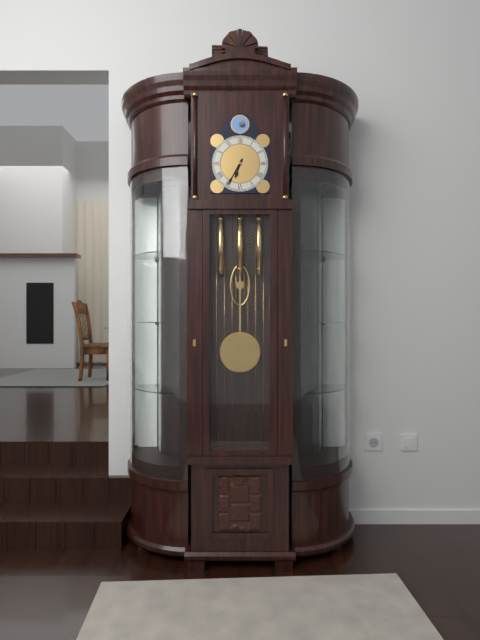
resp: 6,35
